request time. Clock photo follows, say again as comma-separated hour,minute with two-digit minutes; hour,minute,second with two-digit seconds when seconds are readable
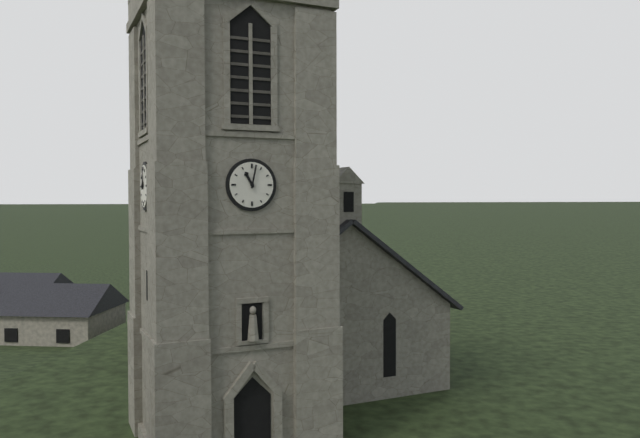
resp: 11,02
